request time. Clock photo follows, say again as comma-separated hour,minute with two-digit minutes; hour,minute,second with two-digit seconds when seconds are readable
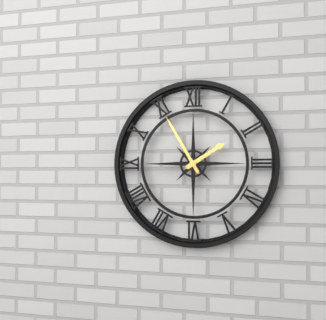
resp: 1,55
